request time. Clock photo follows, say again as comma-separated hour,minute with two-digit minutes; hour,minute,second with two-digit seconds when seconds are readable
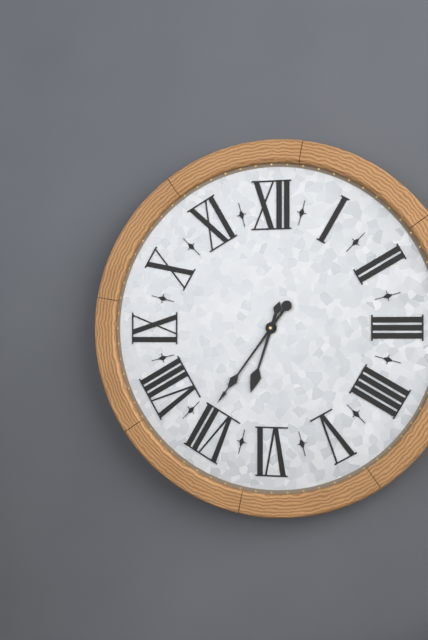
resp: 6,36
